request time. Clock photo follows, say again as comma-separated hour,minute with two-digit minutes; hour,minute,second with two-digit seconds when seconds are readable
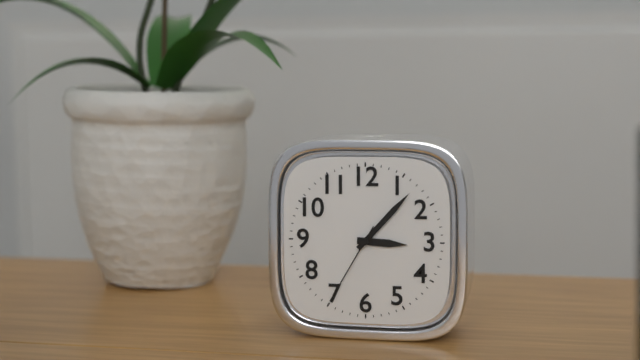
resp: 3,07,35
